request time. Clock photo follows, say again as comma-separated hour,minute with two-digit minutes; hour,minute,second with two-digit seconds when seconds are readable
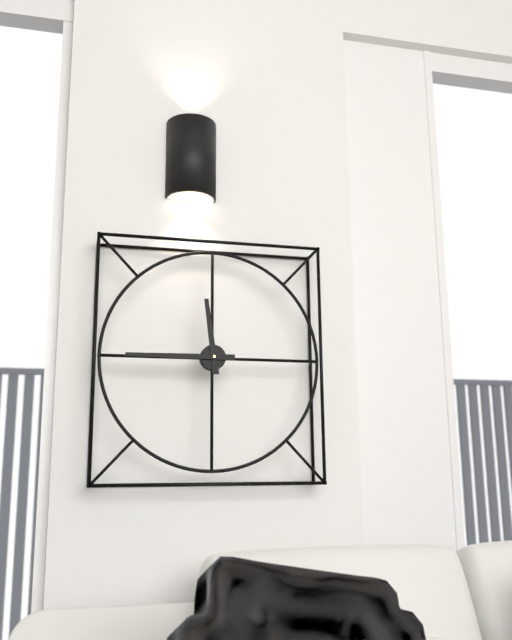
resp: 11,45
